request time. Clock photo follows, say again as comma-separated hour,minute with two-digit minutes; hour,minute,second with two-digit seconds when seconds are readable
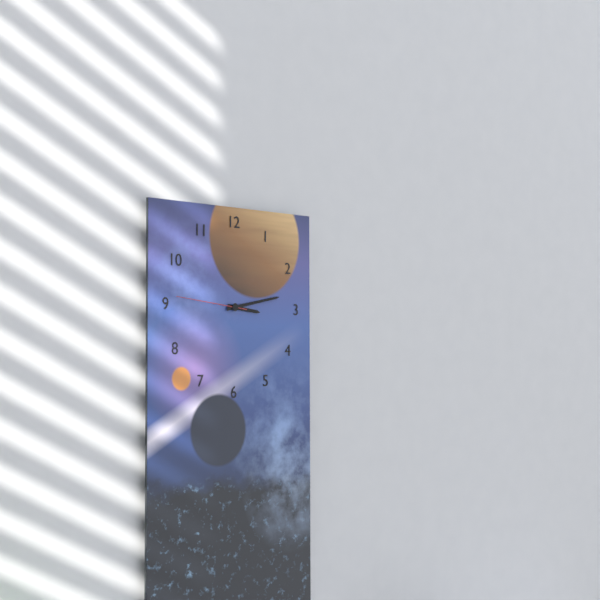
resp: 3,13,46
